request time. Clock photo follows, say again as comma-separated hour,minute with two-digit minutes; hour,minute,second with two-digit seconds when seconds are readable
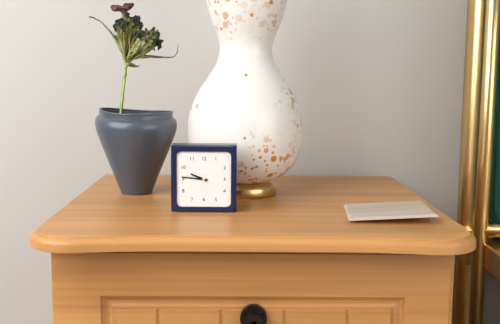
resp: 9,46
